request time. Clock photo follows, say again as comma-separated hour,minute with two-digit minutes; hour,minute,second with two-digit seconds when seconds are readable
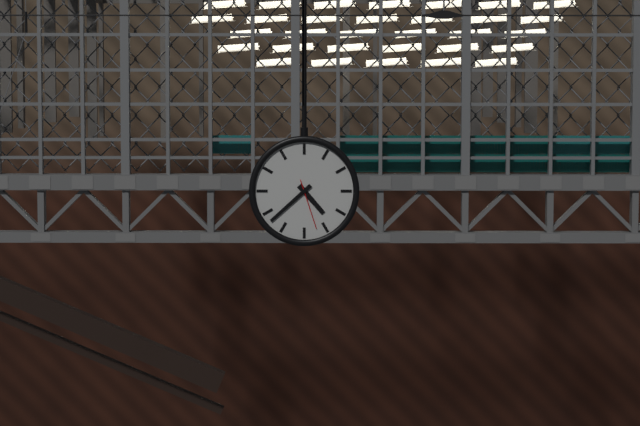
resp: 4,38
